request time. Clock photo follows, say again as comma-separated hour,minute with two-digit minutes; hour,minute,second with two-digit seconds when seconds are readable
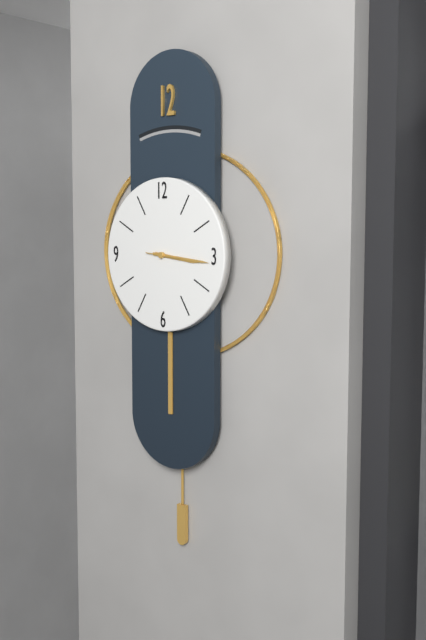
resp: 3,16
